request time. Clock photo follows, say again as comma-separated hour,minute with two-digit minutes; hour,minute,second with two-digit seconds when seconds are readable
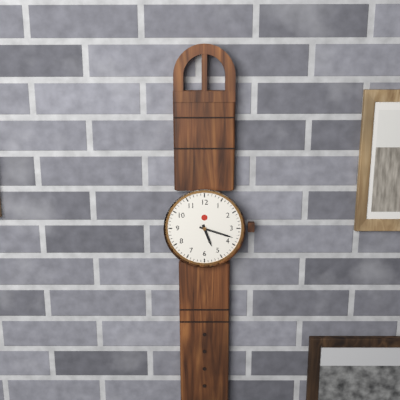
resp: 5,18
